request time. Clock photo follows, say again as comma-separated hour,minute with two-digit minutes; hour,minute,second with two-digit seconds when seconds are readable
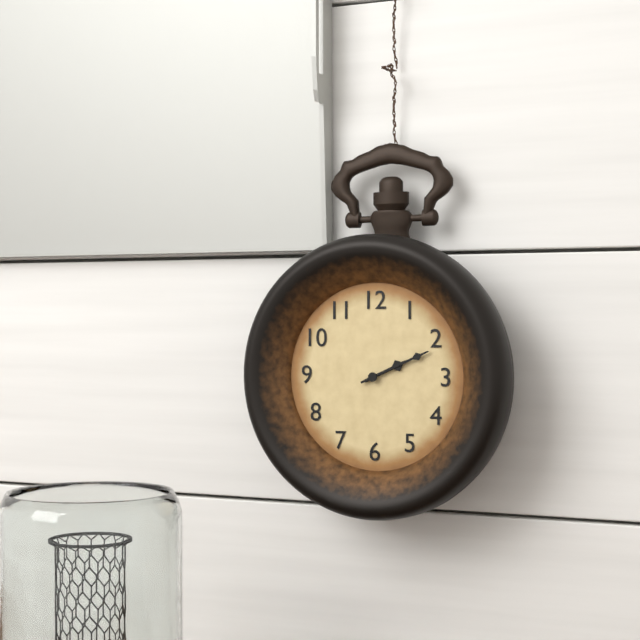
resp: 2,11
